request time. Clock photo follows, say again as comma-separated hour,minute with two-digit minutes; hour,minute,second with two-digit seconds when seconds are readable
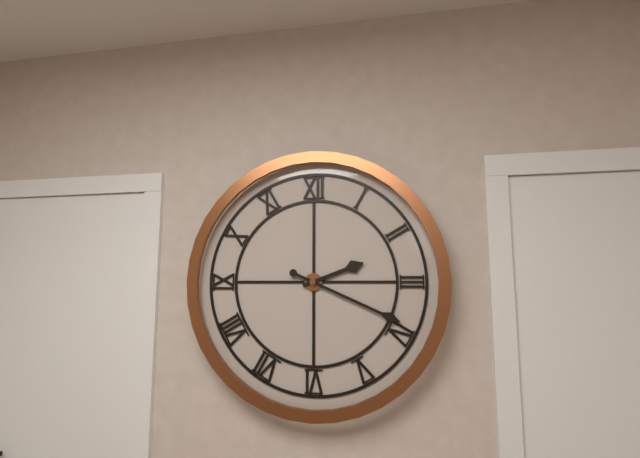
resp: 2,19
